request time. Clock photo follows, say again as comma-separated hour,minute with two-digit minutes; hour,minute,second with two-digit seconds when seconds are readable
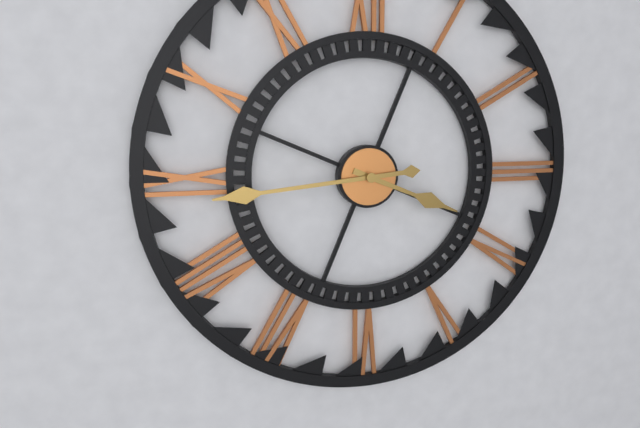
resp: 3,44
